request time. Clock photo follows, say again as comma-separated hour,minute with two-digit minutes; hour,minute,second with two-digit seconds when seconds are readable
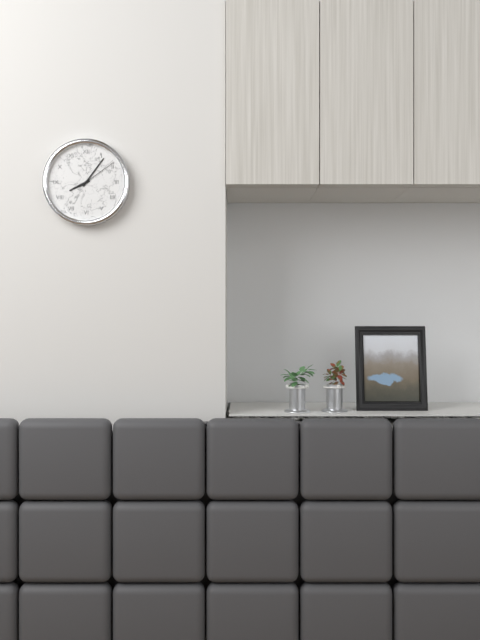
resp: 8,06
